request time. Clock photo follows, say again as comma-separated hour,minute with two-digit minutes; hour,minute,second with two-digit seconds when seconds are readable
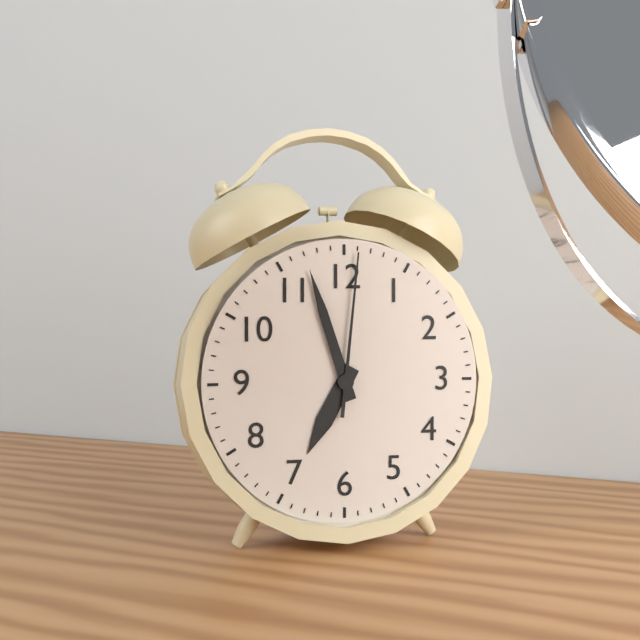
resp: 6,57,01
